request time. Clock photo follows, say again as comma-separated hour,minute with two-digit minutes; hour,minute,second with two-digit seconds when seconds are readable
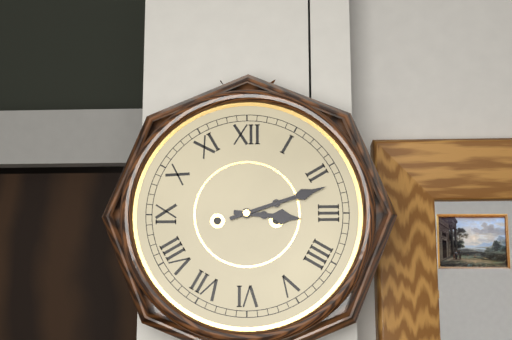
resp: 3,12
